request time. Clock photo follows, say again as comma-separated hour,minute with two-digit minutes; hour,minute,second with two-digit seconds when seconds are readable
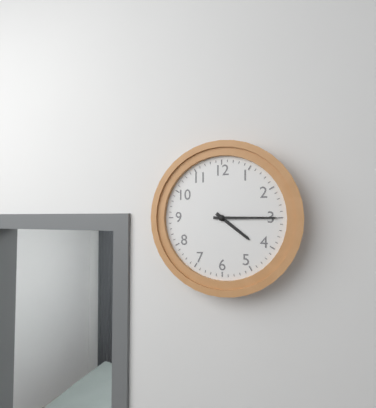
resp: 4,15
